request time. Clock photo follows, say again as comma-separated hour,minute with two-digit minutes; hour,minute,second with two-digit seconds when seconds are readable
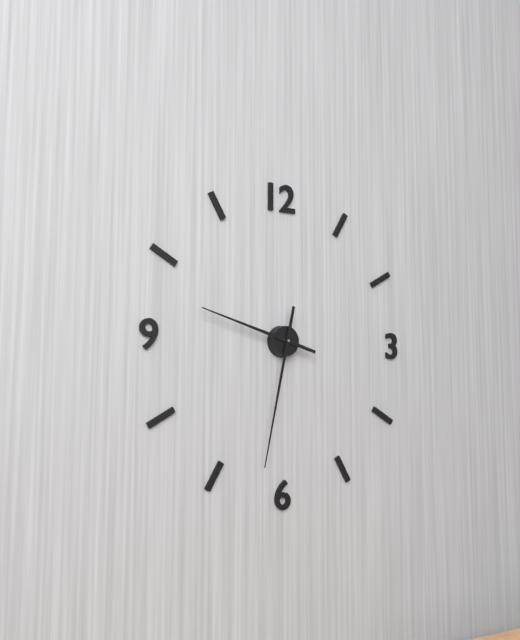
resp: 9,32
